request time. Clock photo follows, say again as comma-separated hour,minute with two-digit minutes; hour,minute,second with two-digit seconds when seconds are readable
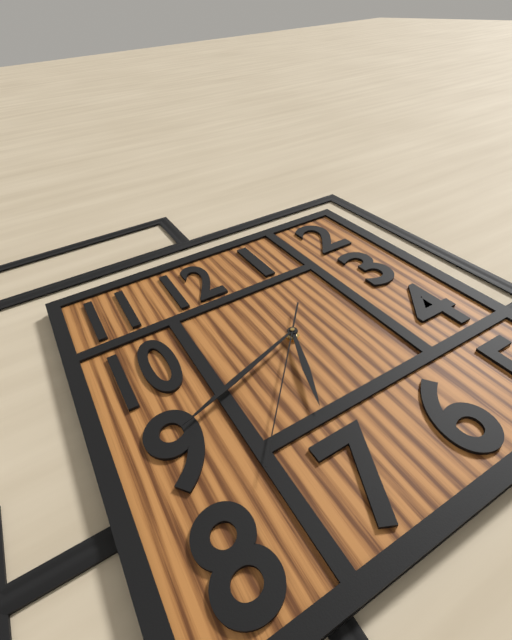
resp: 6,42,37
